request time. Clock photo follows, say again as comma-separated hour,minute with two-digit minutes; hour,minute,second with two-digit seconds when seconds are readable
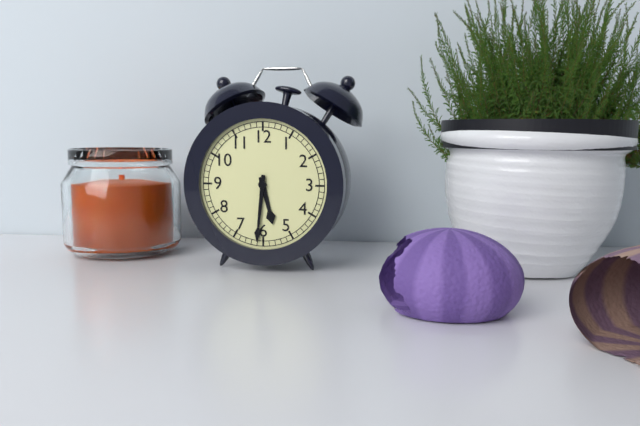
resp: 5,31
